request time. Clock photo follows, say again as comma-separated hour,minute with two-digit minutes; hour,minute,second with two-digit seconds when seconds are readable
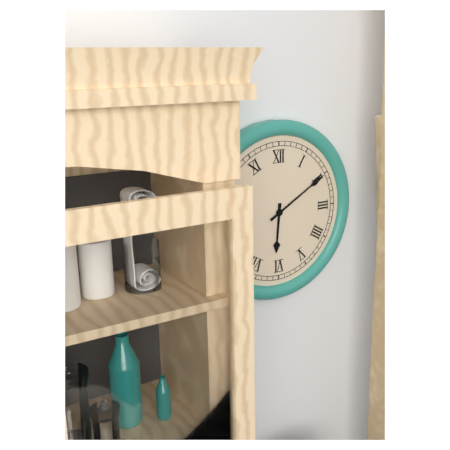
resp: 6,10
